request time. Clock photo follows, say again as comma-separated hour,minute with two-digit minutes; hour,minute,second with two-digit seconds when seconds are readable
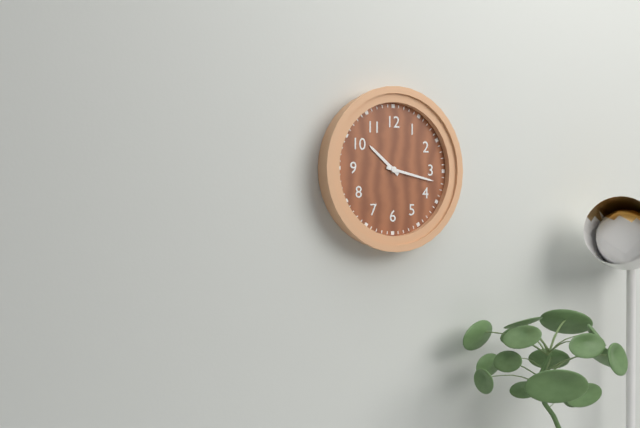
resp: 10,17
